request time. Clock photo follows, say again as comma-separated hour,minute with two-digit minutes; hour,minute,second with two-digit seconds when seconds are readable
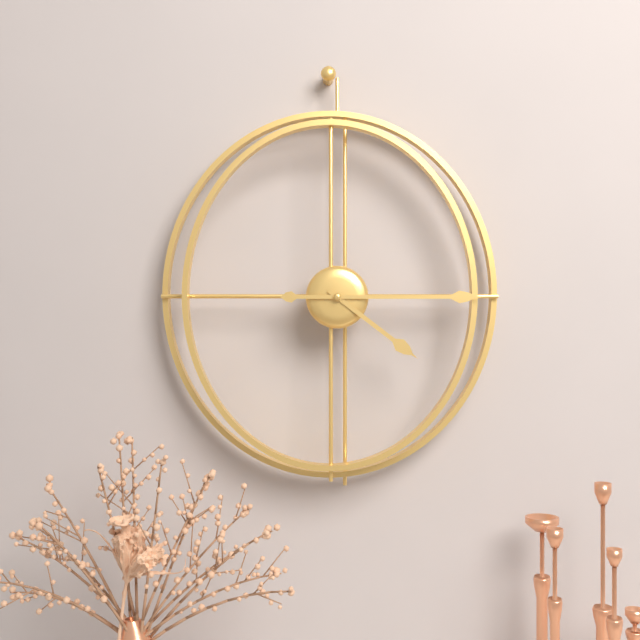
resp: 4,15
